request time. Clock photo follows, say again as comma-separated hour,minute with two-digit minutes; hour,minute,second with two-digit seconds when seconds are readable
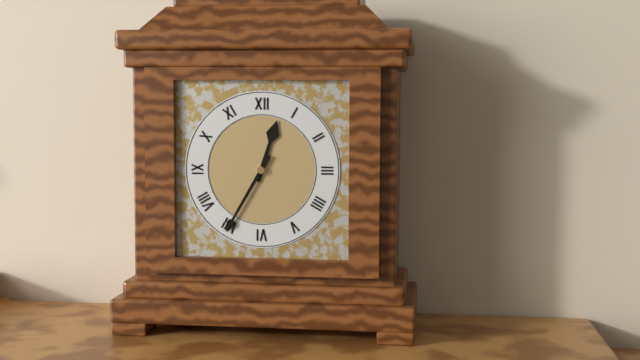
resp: 12,35
